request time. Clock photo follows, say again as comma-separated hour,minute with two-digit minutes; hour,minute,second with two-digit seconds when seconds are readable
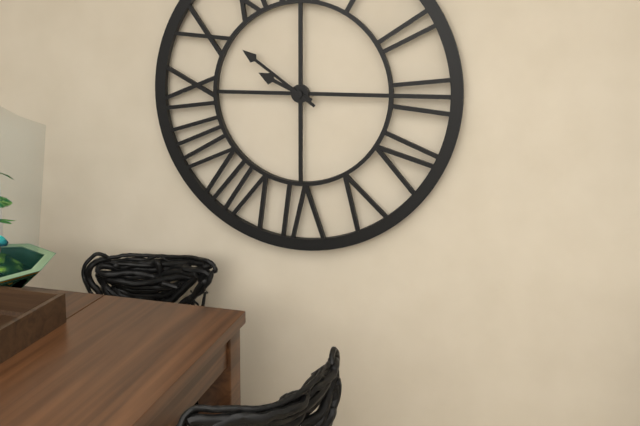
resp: 9,51
